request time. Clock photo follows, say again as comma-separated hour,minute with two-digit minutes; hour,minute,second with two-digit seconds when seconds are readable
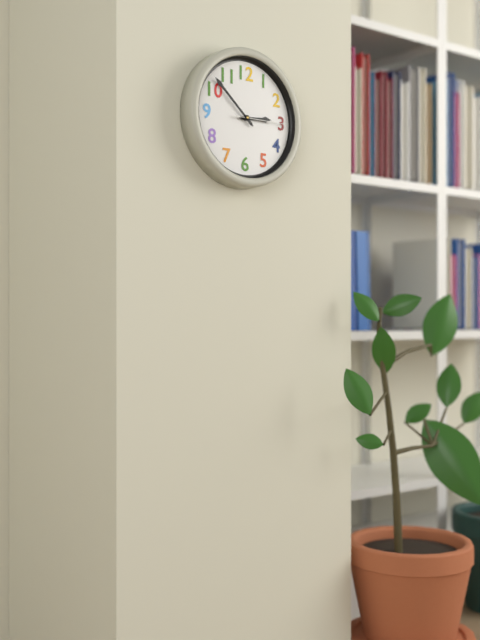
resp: 2,52,15
